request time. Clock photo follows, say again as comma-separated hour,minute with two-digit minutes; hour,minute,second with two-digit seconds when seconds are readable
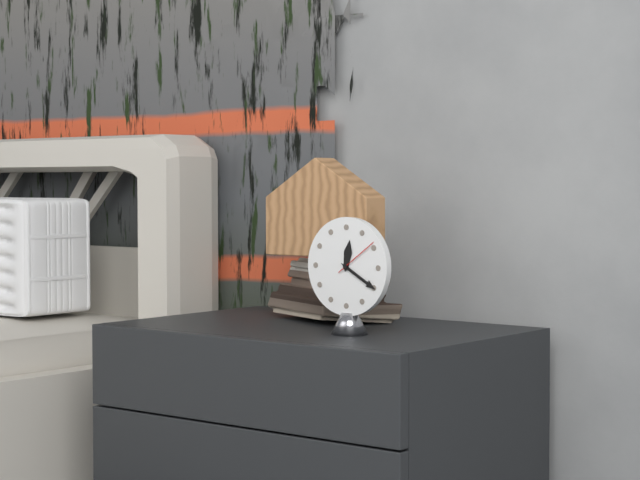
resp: 12,20
